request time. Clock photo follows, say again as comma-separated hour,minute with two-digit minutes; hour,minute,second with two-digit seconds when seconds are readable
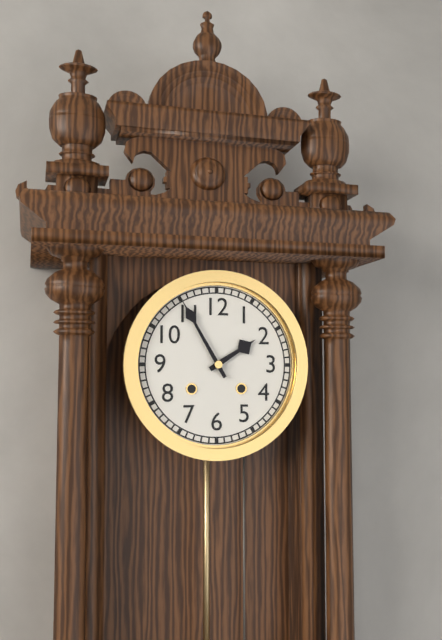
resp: 1,55
